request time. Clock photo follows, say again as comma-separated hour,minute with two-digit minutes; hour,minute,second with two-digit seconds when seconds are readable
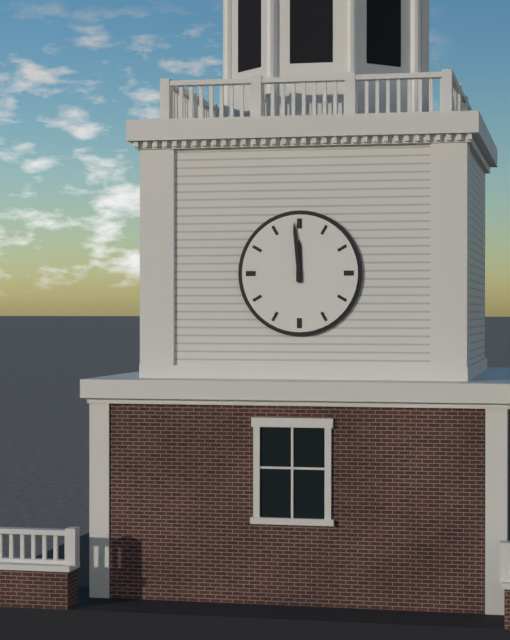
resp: 11,59
